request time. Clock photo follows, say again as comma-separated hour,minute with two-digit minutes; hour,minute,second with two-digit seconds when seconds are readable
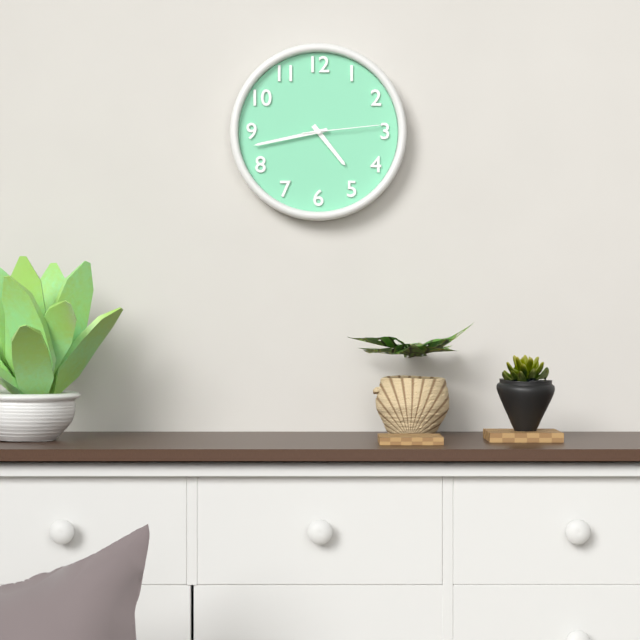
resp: 4,43,14
